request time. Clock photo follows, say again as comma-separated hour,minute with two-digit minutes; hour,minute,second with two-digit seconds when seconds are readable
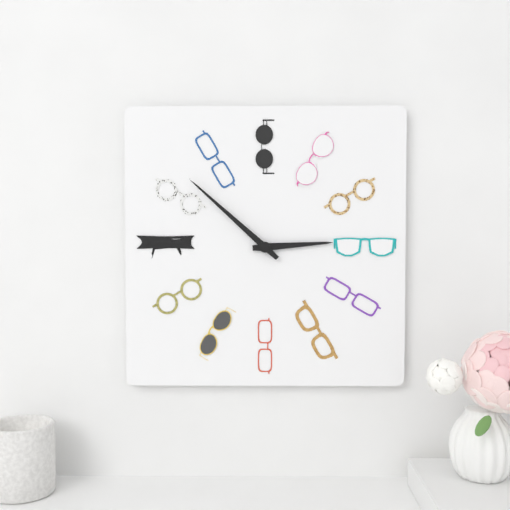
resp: 2,52
